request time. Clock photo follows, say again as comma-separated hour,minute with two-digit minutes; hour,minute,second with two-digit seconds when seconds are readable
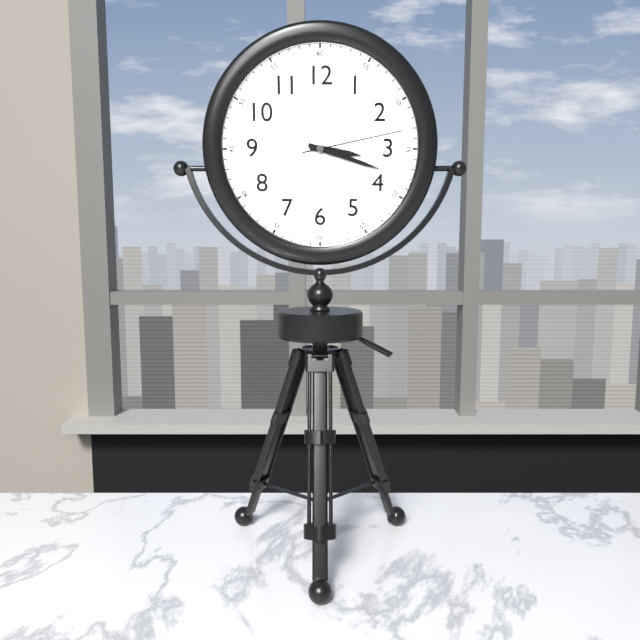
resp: 3,18,13
